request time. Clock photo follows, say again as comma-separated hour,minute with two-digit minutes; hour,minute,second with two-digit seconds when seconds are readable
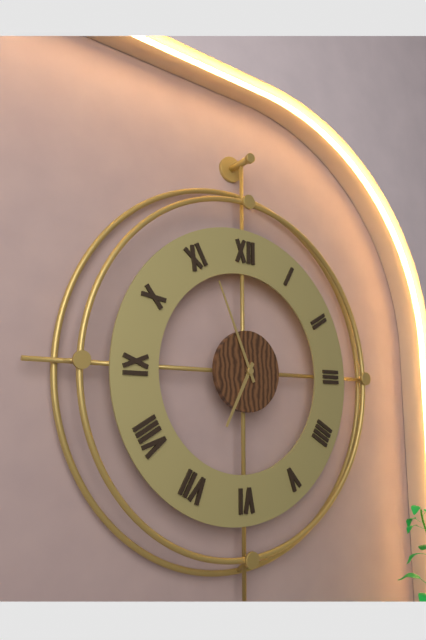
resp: 6,56
